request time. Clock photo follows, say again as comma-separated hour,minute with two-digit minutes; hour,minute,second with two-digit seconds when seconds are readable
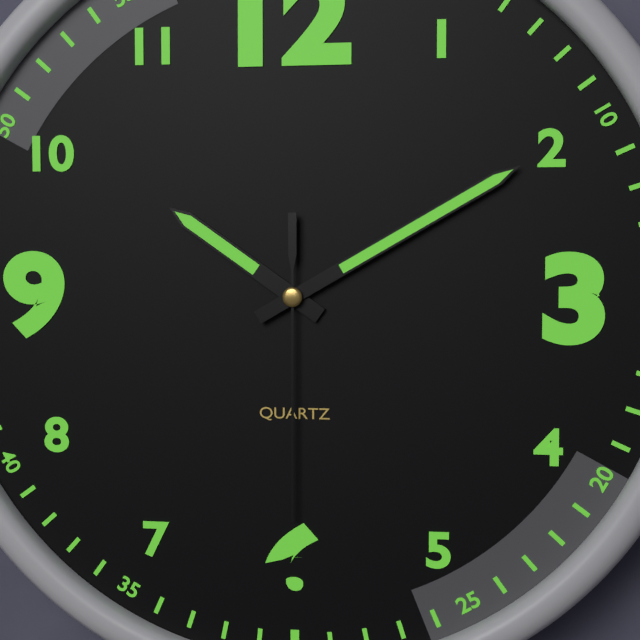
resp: 10,10,30
